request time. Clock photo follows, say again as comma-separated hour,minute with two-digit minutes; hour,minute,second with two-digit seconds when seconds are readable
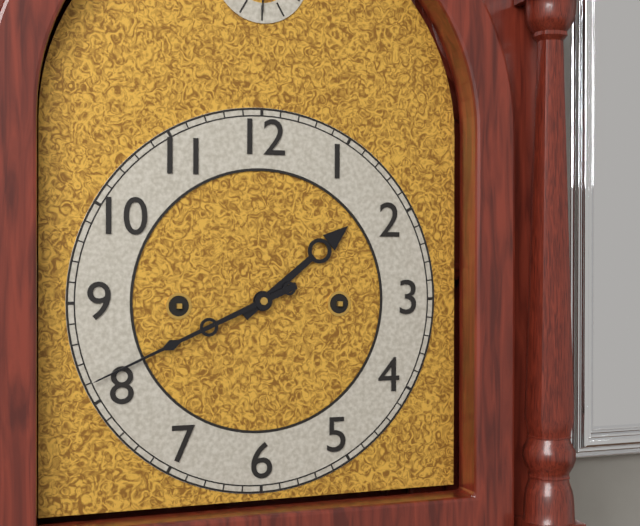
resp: 1,41
